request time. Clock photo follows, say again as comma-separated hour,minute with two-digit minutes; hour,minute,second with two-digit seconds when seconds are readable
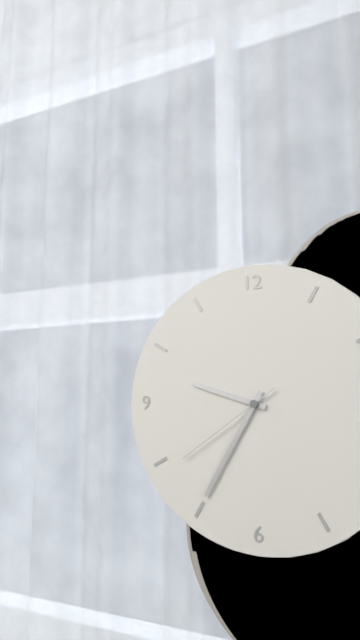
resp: 9,35,39
